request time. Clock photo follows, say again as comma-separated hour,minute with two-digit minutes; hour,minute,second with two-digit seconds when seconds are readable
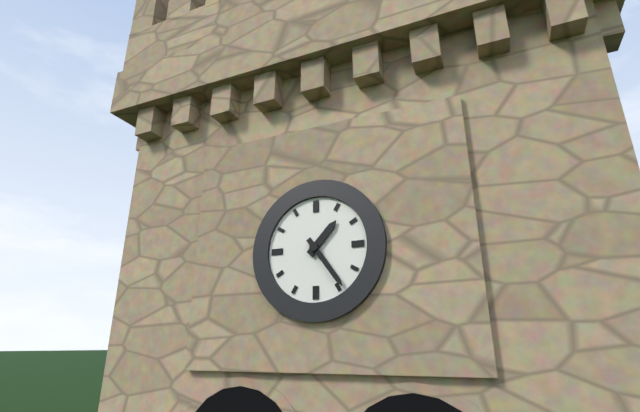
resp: 1,24
